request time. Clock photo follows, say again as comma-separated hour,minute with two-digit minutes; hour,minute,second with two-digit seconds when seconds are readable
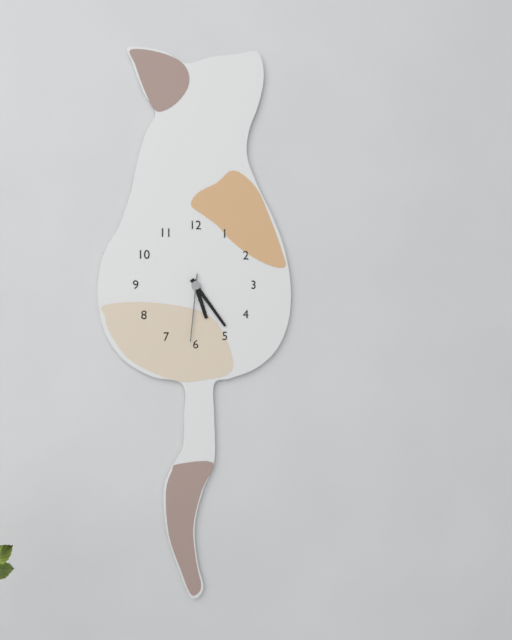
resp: 5,24,31
